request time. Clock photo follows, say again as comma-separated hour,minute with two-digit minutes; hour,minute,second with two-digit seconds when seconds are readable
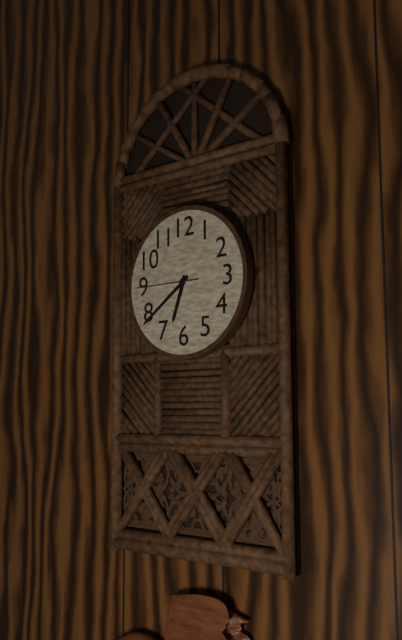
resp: 6,39,45
